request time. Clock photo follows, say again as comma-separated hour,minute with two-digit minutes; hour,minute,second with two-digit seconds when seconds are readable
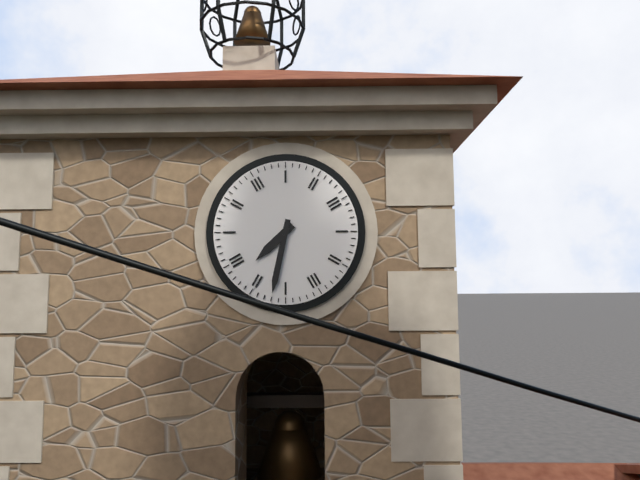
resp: 7,32
